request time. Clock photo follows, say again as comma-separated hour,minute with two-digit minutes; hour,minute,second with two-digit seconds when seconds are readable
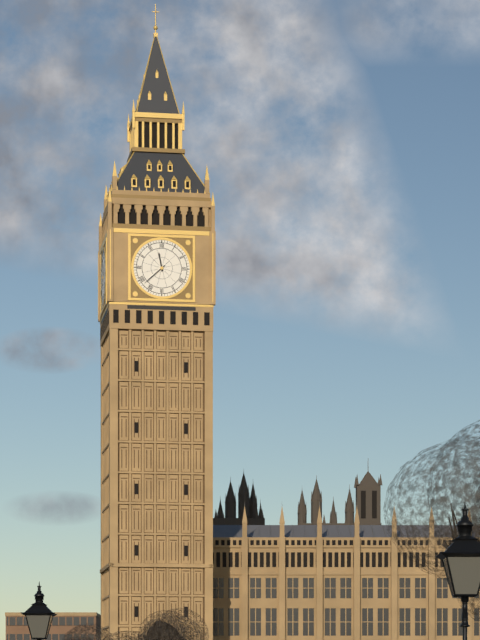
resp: 11,38
